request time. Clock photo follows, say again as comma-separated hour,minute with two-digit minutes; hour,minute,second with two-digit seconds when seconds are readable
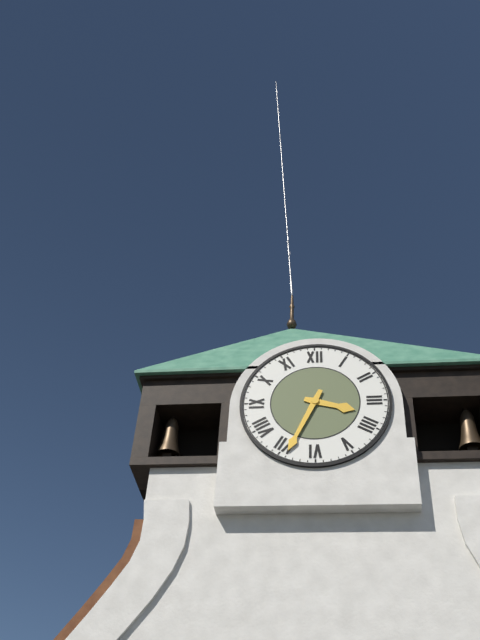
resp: 3,34
